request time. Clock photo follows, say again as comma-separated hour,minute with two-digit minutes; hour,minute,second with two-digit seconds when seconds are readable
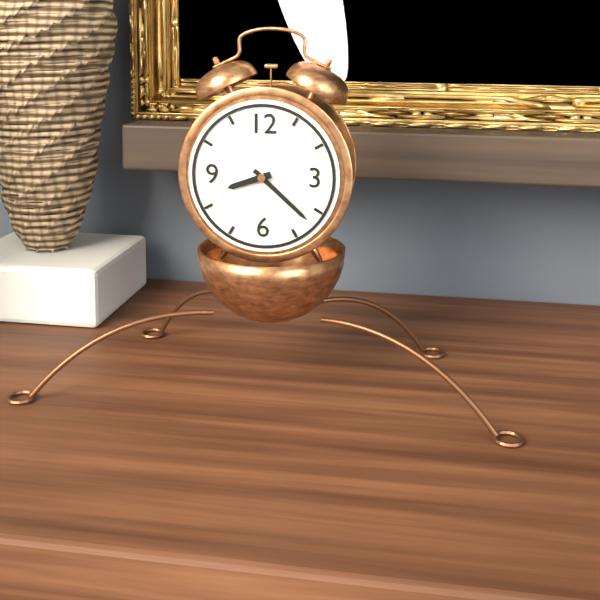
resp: 8,22
